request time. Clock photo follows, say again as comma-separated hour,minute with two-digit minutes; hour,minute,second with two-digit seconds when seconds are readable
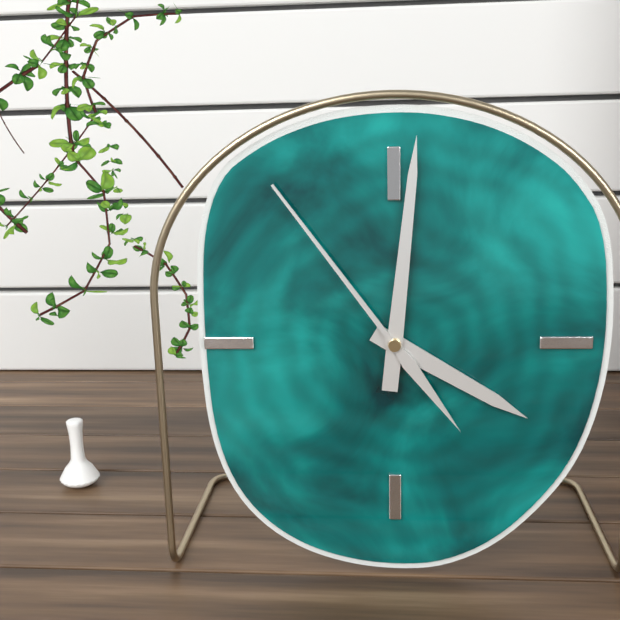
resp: 4,01,54
